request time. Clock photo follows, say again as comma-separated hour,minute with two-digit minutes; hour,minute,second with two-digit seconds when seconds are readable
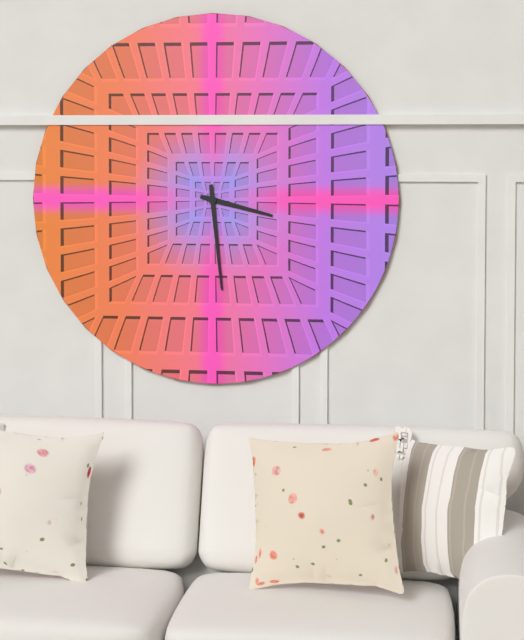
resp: 3,29
